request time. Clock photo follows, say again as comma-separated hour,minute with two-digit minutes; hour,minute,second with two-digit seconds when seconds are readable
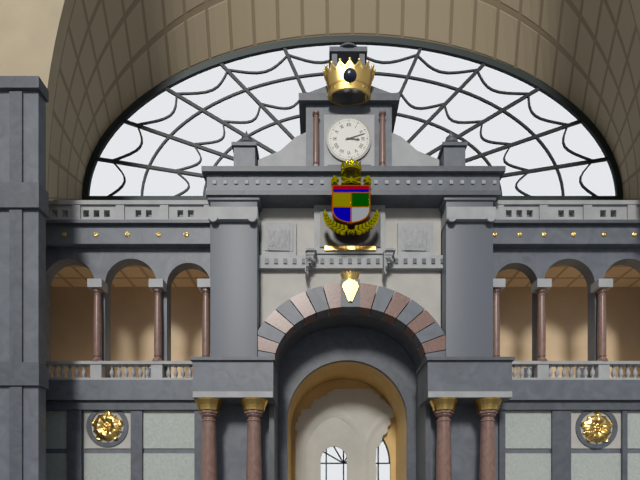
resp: 3,12
